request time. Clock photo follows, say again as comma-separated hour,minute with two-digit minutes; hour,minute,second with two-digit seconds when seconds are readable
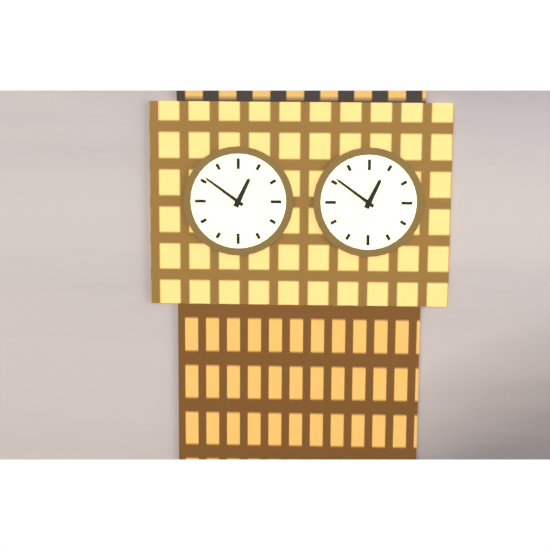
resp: 12,51
